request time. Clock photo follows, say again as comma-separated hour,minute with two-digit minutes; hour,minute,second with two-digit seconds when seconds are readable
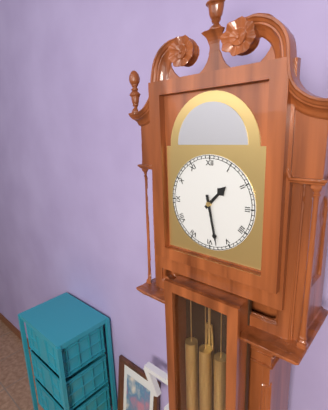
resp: 1,28
